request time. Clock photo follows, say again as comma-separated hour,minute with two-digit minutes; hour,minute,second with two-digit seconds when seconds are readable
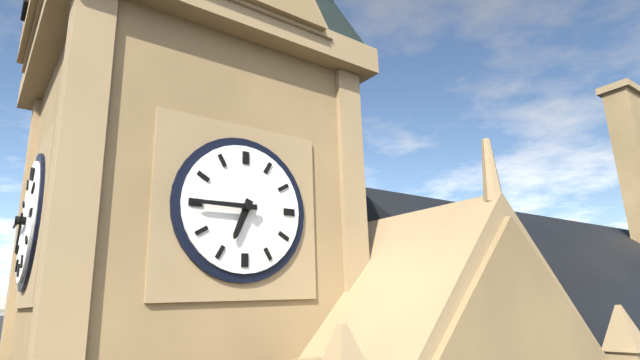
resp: 6,45
